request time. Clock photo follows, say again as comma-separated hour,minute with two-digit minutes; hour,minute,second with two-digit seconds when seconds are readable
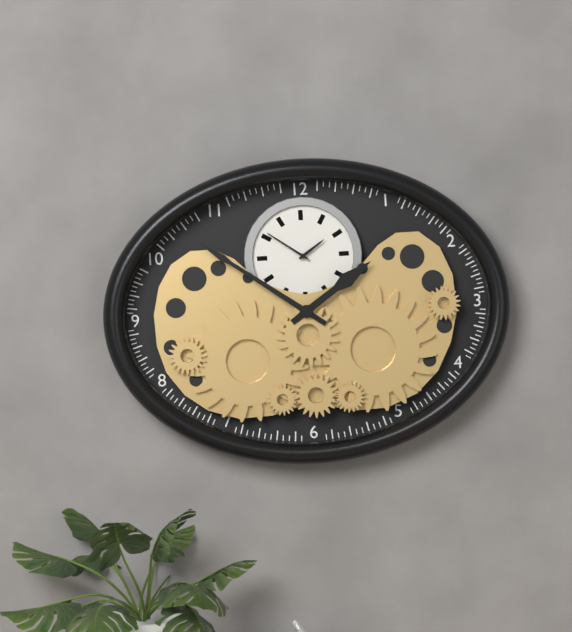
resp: 1,51
